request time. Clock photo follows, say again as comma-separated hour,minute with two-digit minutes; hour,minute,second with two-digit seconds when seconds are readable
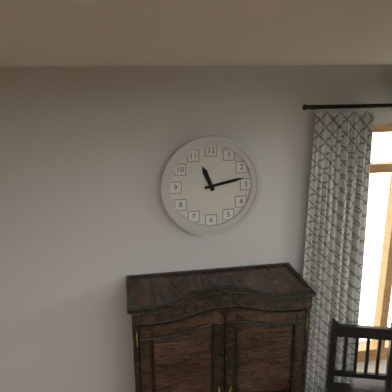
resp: 11,13
